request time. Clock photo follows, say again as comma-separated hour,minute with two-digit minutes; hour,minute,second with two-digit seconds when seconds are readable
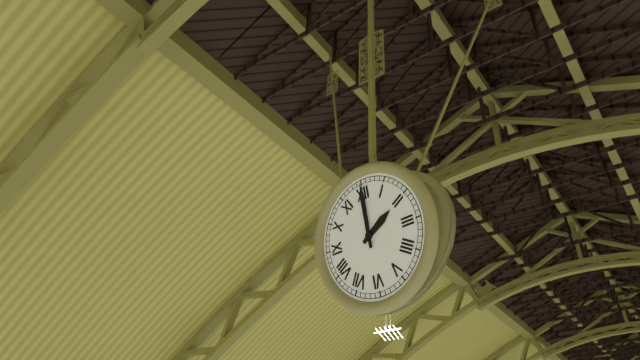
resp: 2,00
